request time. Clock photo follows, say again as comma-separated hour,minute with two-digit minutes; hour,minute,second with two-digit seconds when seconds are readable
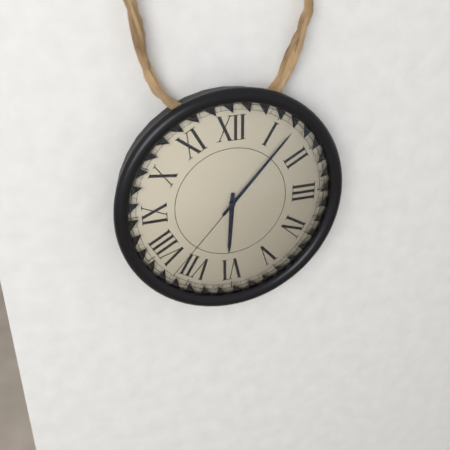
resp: 6,07,37
